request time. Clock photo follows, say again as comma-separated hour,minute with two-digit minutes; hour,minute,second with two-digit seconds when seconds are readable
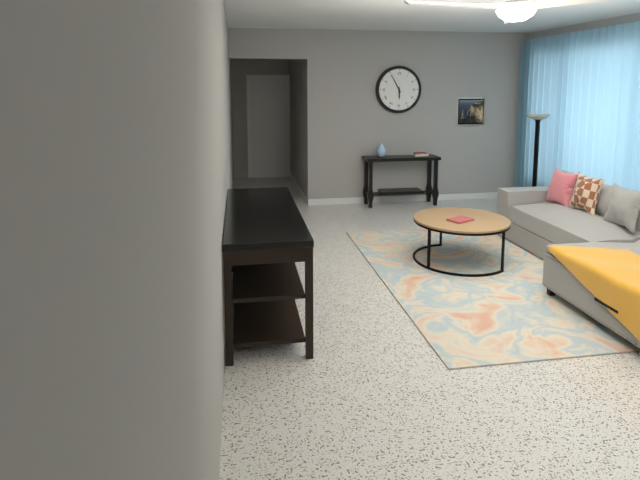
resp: 5,55
